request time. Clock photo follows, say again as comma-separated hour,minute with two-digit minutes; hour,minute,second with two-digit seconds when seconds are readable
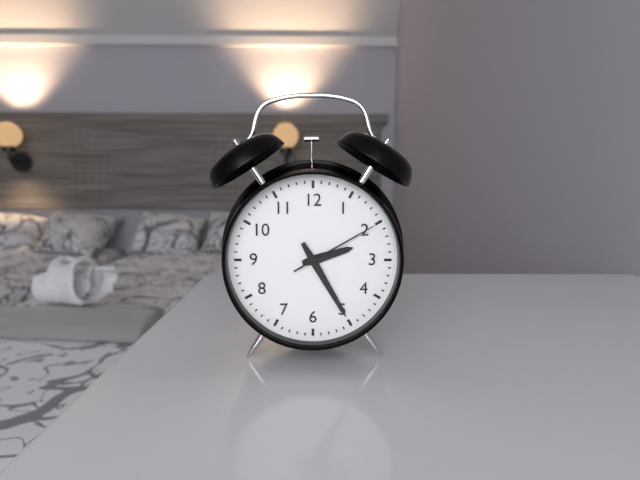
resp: 2,25,10
